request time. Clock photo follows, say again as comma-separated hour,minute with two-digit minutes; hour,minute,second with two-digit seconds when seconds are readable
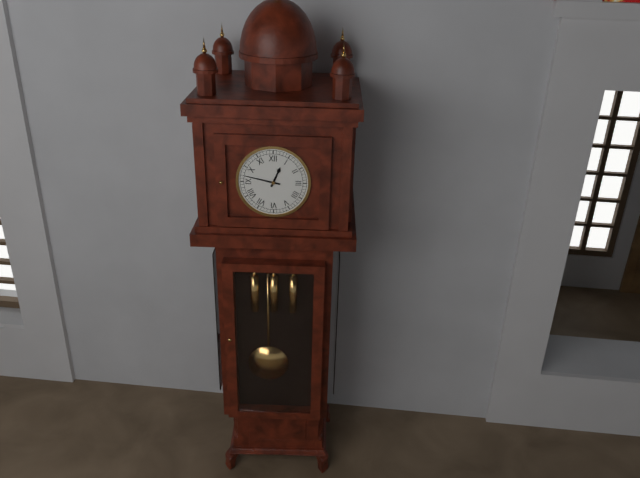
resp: 12,47
